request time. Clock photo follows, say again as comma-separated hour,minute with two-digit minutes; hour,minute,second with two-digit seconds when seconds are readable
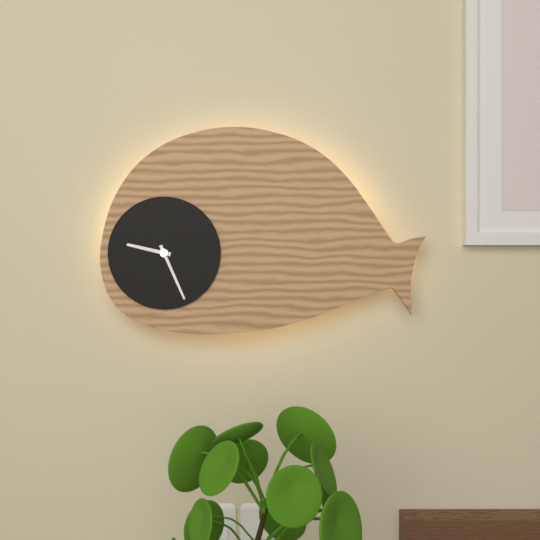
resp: 9,26
